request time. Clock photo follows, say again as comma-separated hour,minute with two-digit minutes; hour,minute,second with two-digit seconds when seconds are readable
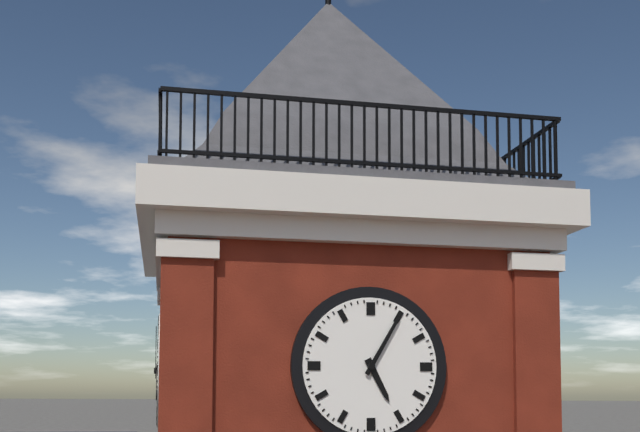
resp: 5,05
